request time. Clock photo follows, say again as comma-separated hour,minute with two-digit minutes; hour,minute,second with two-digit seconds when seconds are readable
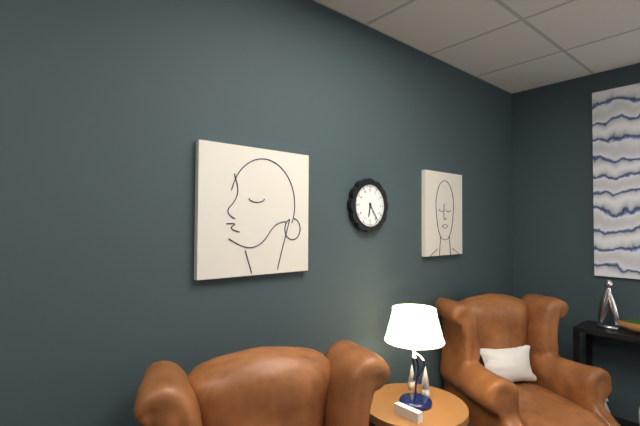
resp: 6,24
